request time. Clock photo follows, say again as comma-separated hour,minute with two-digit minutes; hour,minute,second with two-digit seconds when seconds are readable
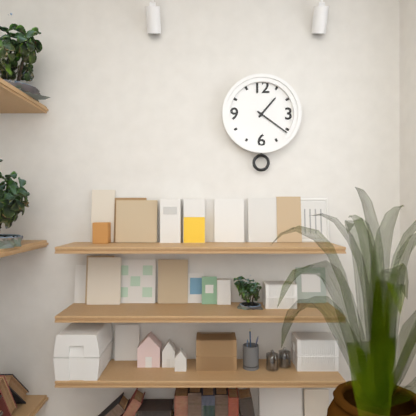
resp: 1,21
